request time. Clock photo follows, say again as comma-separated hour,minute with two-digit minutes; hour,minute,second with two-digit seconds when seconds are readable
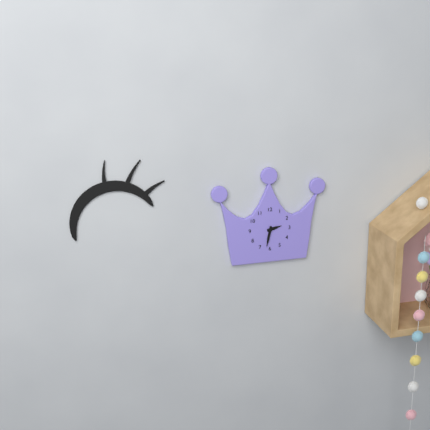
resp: 2,32
